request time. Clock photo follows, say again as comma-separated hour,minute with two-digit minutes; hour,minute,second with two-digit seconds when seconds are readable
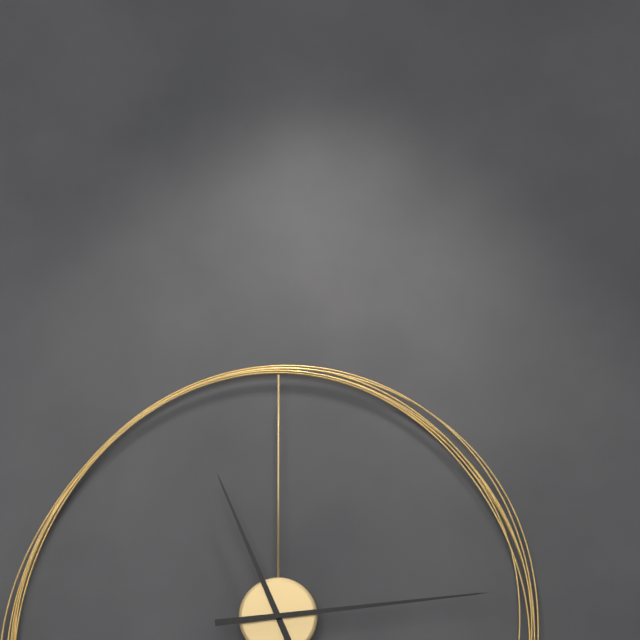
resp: 11,14
